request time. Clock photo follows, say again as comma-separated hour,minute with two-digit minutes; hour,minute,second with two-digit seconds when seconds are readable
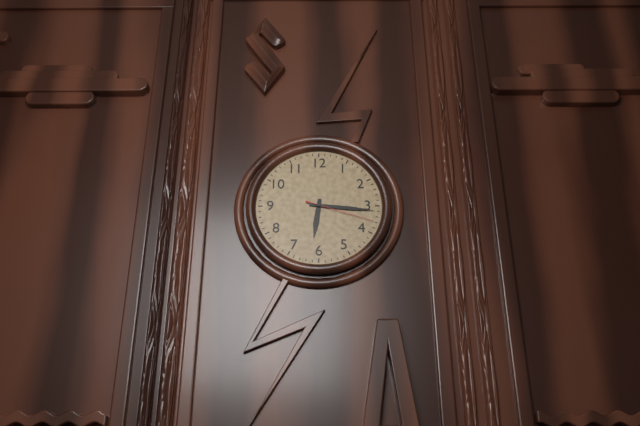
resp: 6,16,18
